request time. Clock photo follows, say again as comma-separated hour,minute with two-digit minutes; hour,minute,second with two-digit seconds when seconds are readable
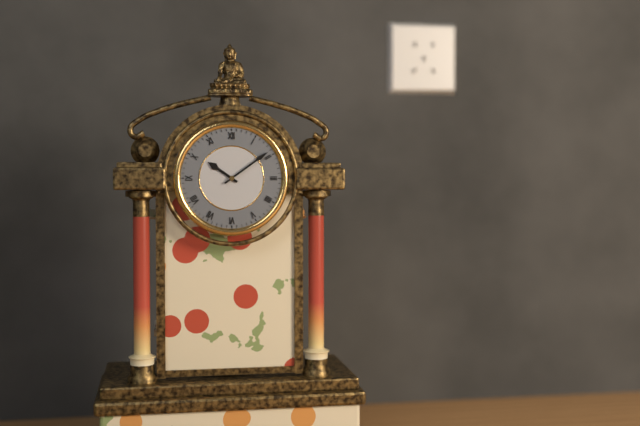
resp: 10,09
